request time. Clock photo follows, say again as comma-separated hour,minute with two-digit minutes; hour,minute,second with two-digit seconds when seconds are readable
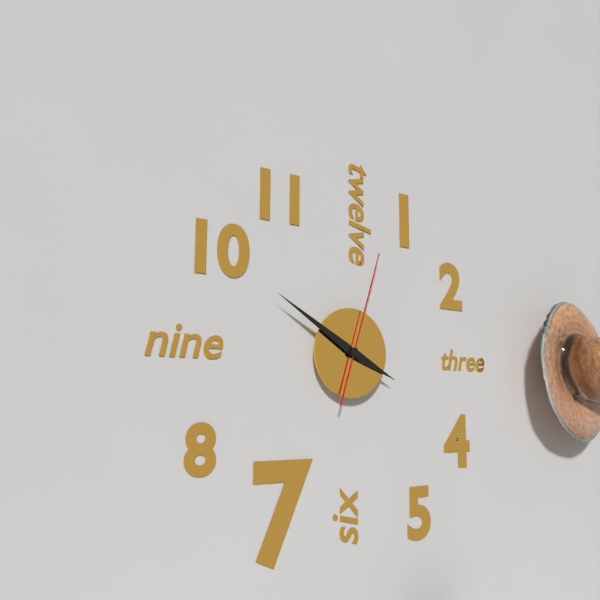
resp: 3,50,03
